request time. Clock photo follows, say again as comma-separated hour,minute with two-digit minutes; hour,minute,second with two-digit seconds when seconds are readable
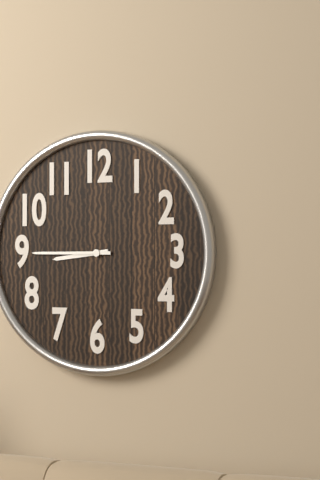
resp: 8,45
